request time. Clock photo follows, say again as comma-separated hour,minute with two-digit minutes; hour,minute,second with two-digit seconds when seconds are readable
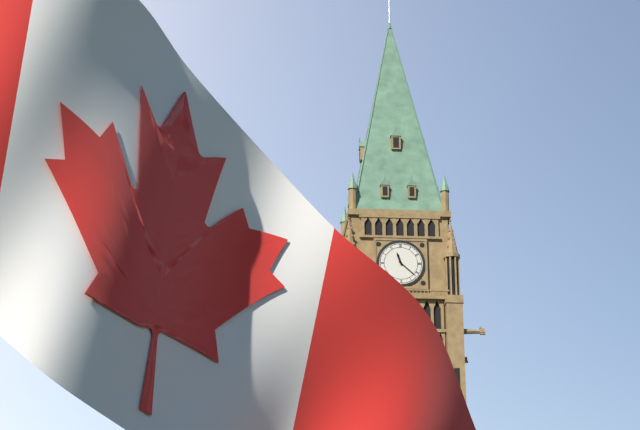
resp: 11,22
